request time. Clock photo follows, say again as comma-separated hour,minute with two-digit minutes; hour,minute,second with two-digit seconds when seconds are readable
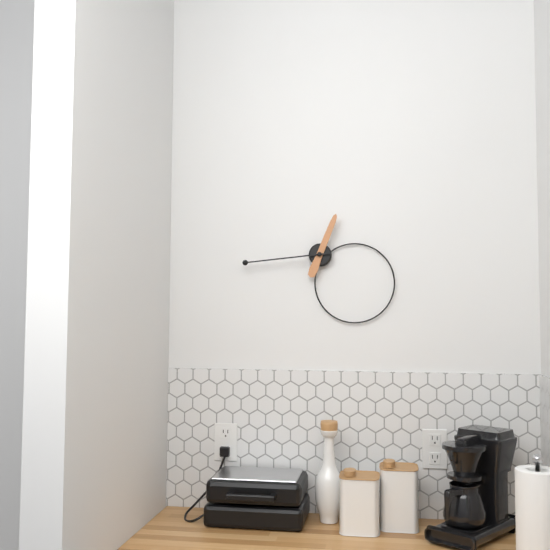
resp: 12,44
